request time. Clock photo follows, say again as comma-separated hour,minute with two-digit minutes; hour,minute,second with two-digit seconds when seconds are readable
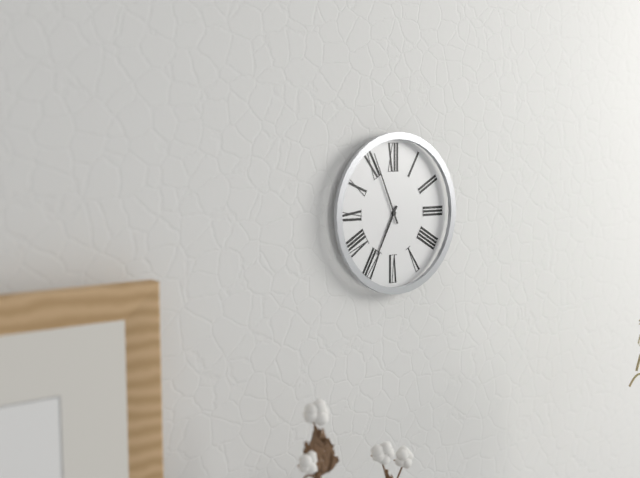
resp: 6,56
